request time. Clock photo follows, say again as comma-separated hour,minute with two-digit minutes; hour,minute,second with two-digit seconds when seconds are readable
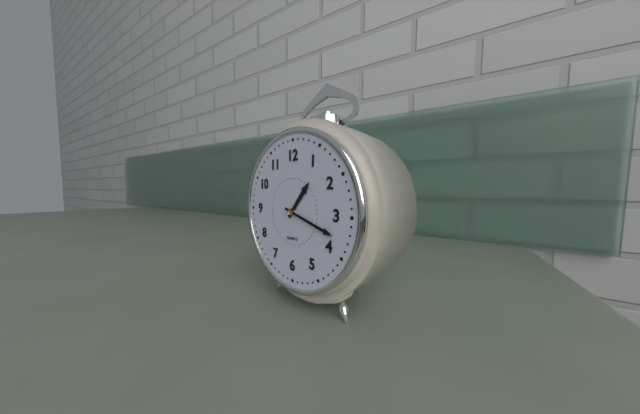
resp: 1,18
